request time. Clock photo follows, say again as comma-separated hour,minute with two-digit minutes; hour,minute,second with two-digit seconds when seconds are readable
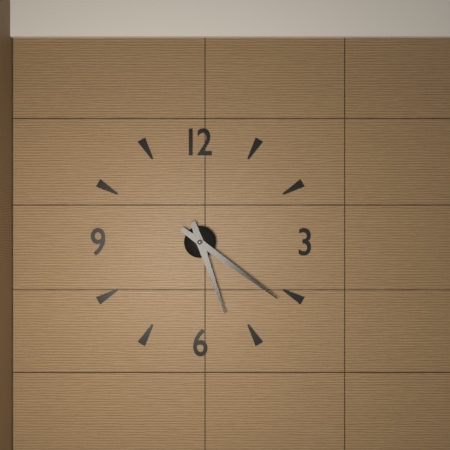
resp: 5,21
